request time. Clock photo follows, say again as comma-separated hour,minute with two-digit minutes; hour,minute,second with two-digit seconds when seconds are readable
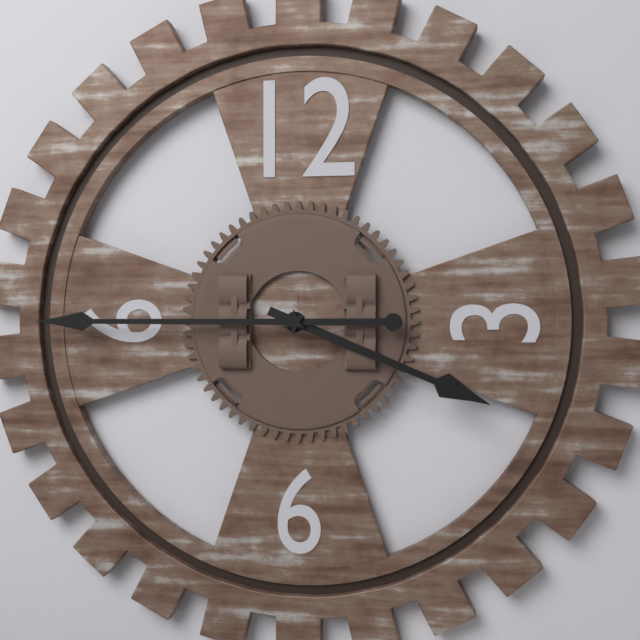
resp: 3,45
